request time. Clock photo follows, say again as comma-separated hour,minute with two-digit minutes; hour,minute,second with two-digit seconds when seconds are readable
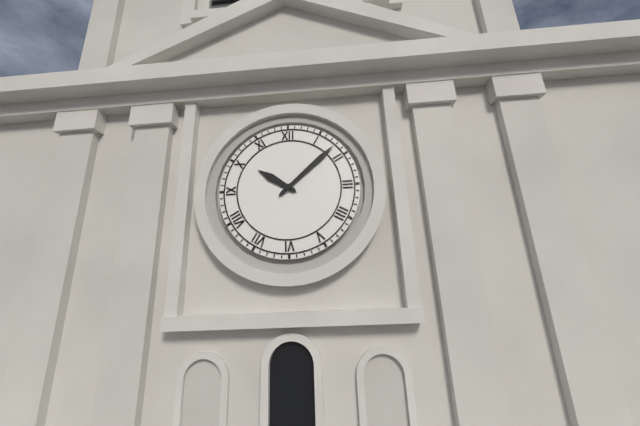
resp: 10,08
